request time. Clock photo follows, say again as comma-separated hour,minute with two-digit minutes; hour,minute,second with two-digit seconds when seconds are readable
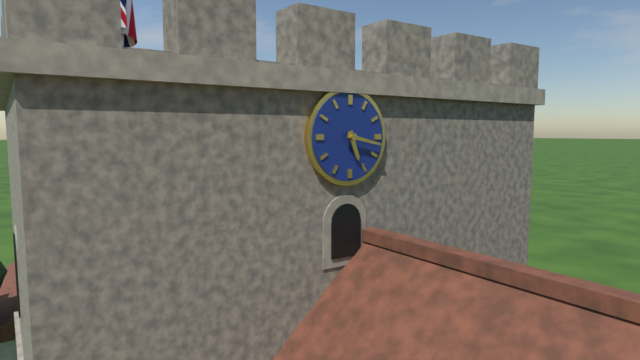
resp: 5,17
